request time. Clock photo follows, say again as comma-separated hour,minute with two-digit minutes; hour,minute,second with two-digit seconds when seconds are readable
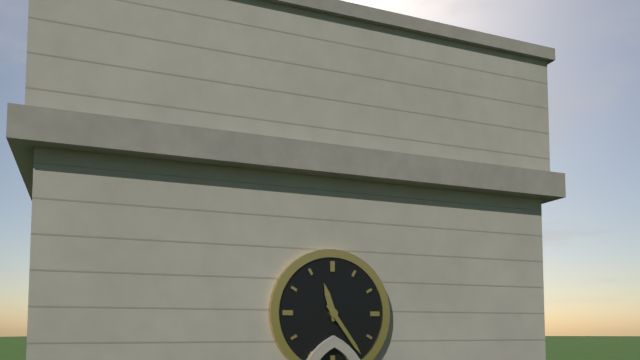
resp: 11,24
